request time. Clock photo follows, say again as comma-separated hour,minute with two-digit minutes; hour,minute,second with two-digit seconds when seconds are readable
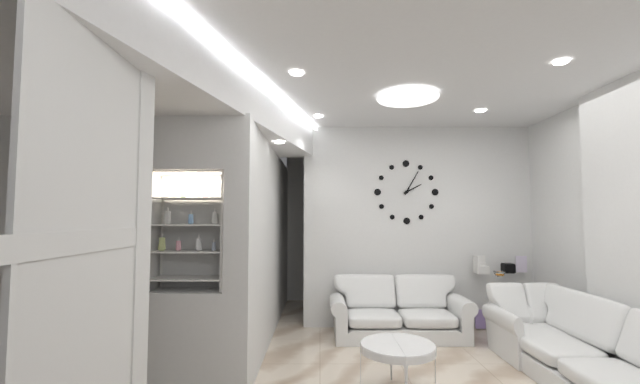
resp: 2,05
